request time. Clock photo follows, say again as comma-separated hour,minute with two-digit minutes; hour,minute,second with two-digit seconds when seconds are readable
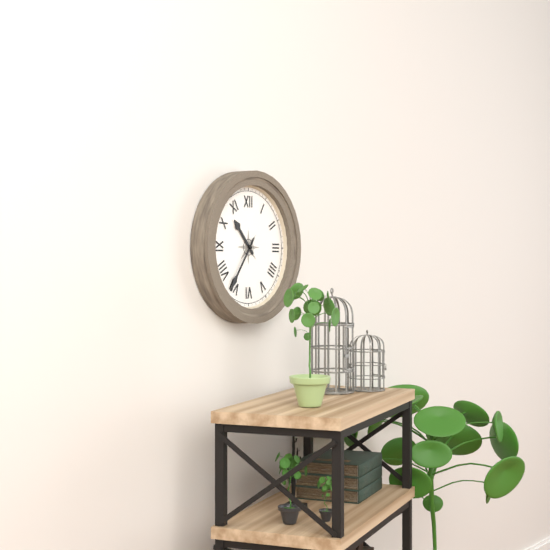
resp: 10,36
